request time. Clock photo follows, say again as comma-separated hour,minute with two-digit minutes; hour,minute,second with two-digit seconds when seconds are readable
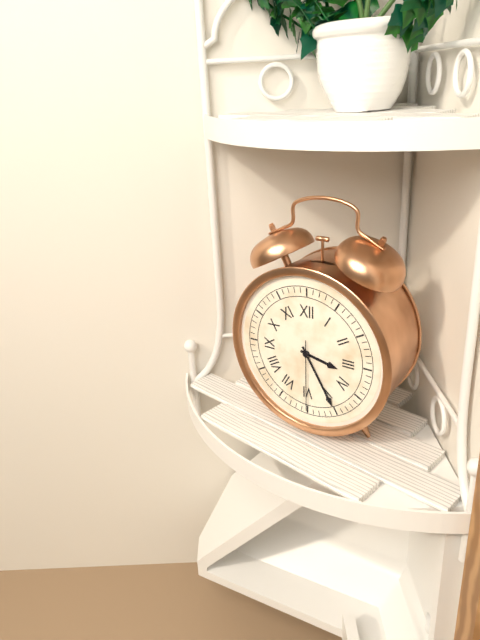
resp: 3,25,30
